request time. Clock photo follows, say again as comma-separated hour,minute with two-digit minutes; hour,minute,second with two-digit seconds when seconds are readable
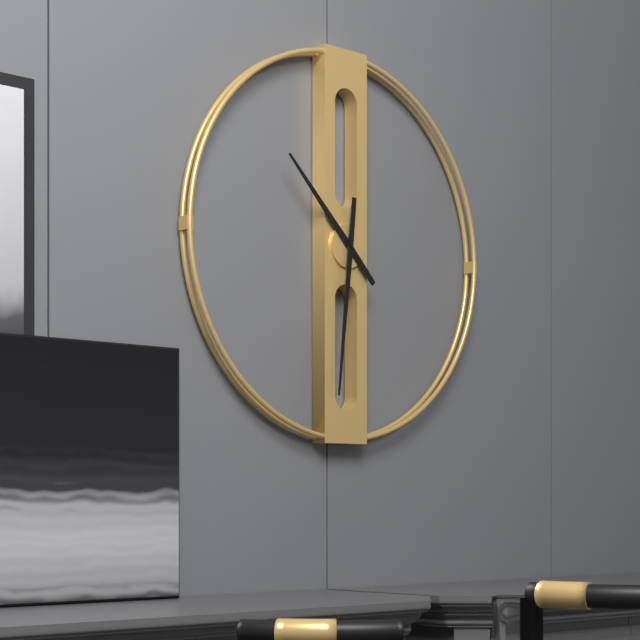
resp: 10,31
